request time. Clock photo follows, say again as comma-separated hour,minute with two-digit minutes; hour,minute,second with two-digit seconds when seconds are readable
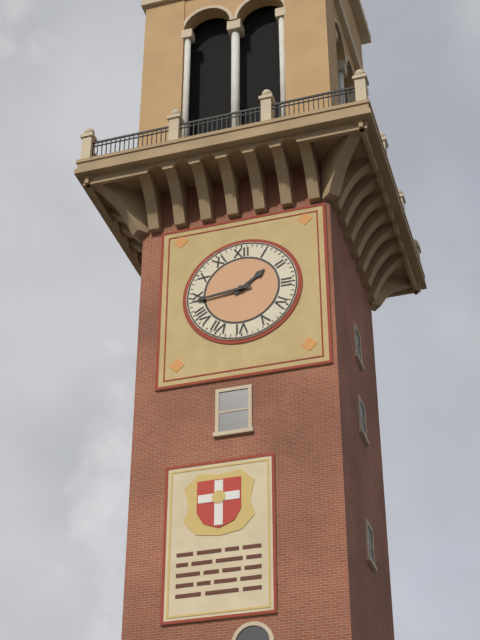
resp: 1,44
